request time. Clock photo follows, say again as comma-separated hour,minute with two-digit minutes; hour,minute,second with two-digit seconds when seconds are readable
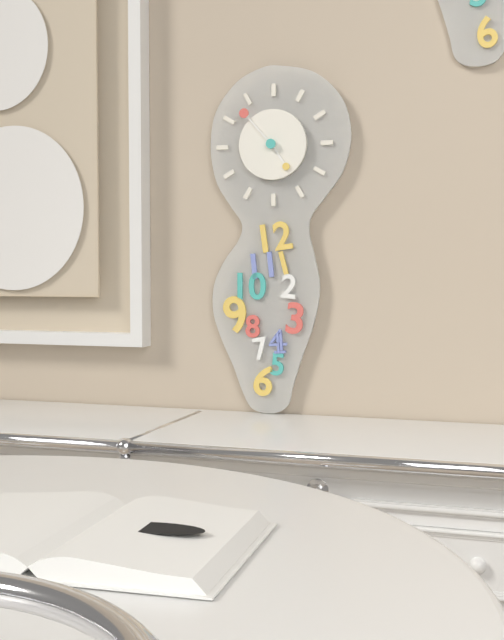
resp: 4,53
